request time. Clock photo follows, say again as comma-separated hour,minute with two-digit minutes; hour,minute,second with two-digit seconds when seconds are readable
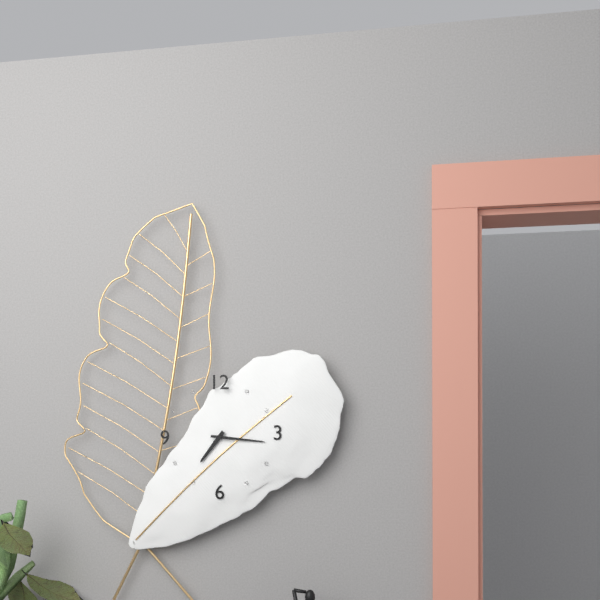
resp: 7,16
